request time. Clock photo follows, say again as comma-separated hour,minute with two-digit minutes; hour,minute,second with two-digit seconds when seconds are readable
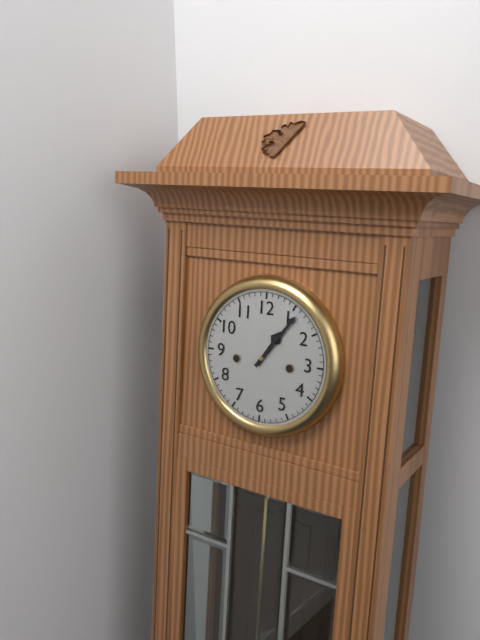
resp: 1,06
